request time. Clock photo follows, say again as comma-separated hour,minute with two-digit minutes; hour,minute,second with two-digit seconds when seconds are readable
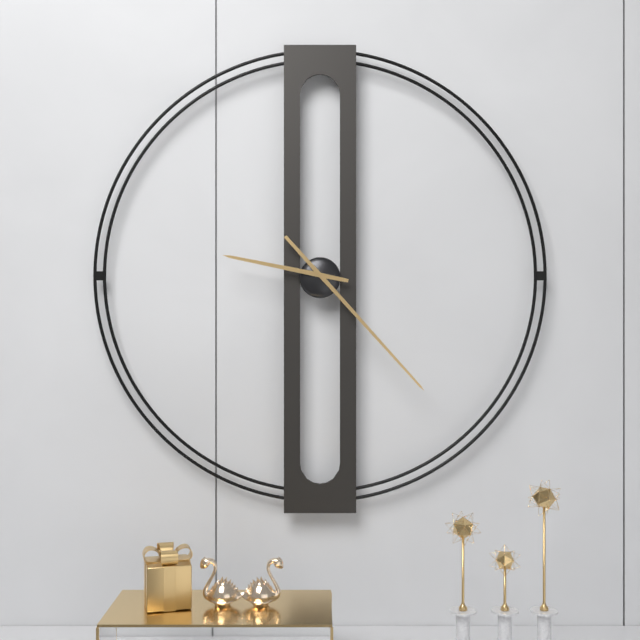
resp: 9,23
